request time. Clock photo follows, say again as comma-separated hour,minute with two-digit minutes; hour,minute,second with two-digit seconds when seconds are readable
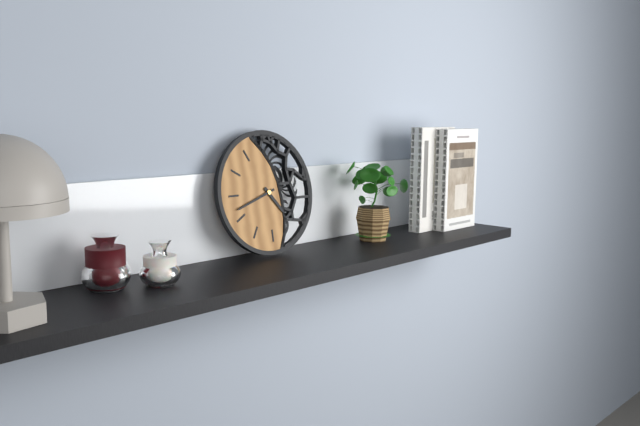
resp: 4,42
